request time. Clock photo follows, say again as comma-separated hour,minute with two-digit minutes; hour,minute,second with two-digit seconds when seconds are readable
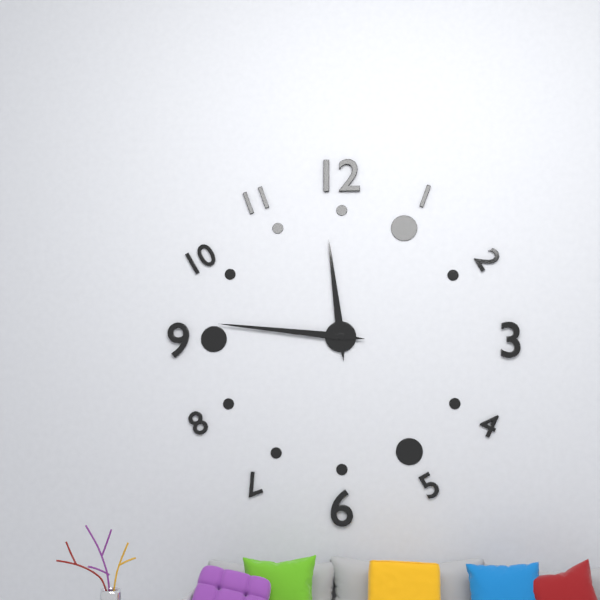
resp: 11,46
